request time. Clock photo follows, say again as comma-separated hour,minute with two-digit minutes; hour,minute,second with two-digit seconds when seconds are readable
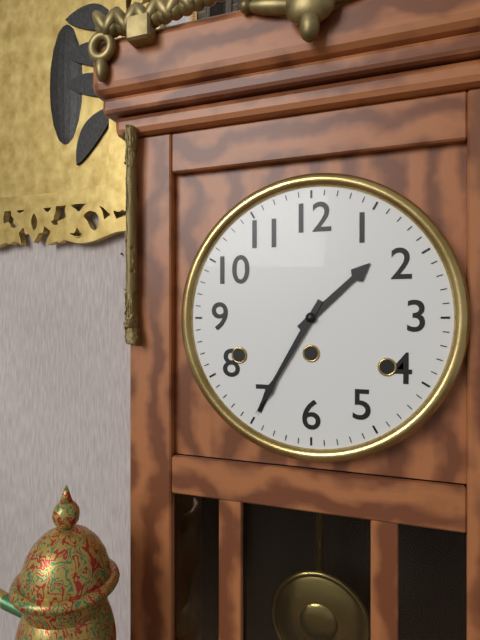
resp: 1,35
